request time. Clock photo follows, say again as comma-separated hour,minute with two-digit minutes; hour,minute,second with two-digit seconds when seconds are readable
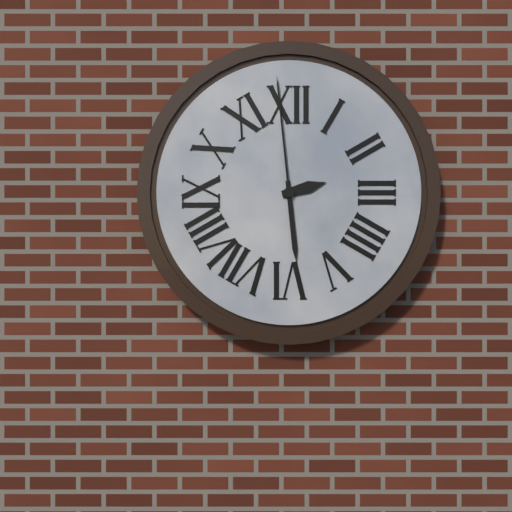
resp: 2,29,59
